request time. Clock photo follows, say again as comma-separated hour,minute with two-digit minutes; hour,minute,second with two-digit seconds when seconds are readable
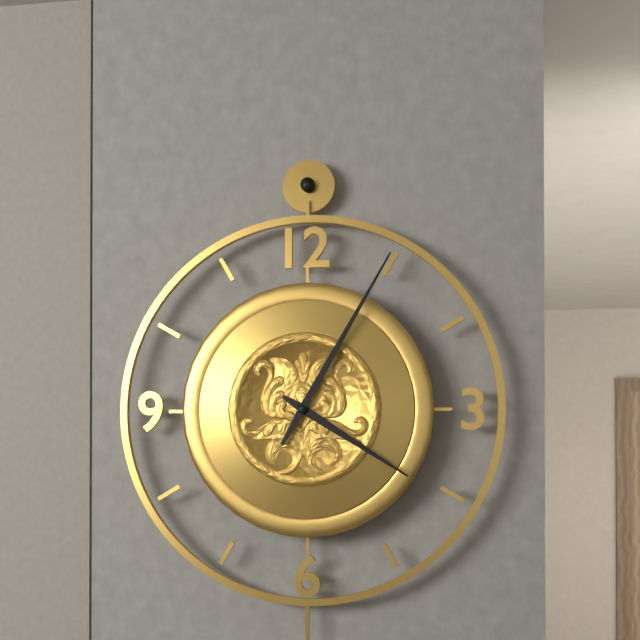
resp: 4,05
